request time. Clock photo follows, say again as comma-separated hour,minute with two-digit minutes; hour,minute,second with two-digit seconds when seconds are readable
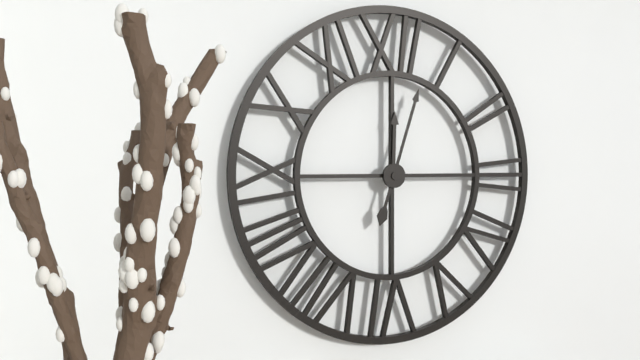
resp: 12,03
